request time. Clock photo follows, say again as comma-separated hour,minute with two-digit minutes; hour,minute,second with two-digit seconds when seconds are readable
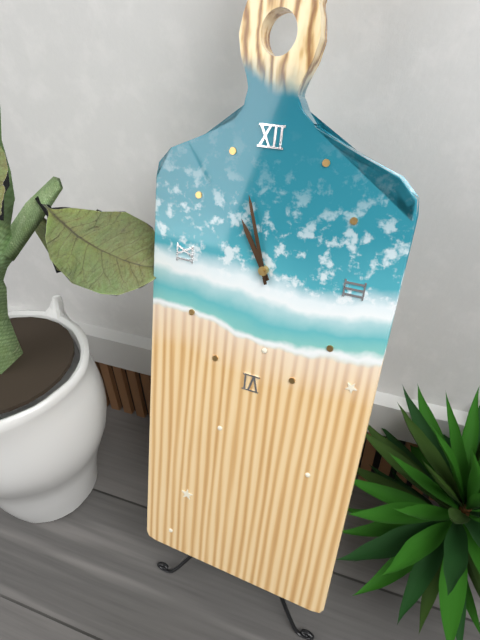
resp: 10,57
